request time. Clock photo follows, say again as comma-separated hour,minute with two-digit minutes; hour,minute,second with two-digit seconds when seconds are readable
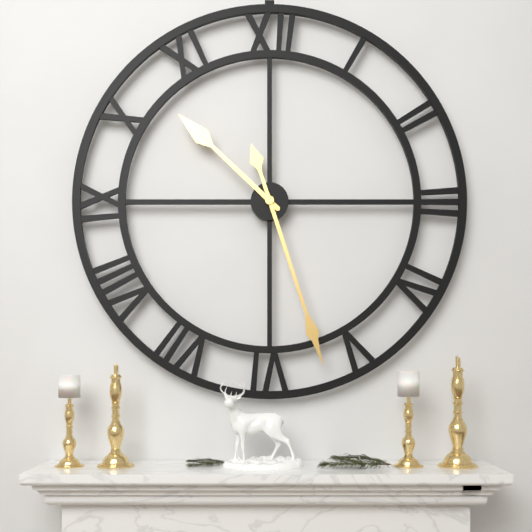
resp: 10,27
